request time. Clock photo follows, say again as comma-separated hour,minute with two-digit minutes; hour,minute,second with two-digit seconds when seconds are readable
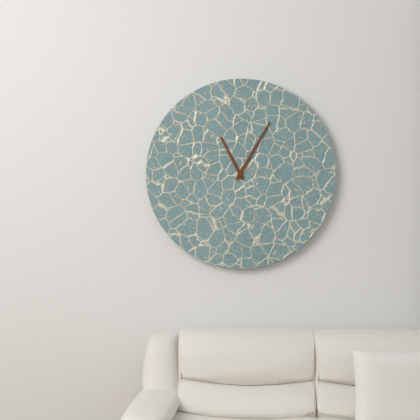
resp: 11,05
